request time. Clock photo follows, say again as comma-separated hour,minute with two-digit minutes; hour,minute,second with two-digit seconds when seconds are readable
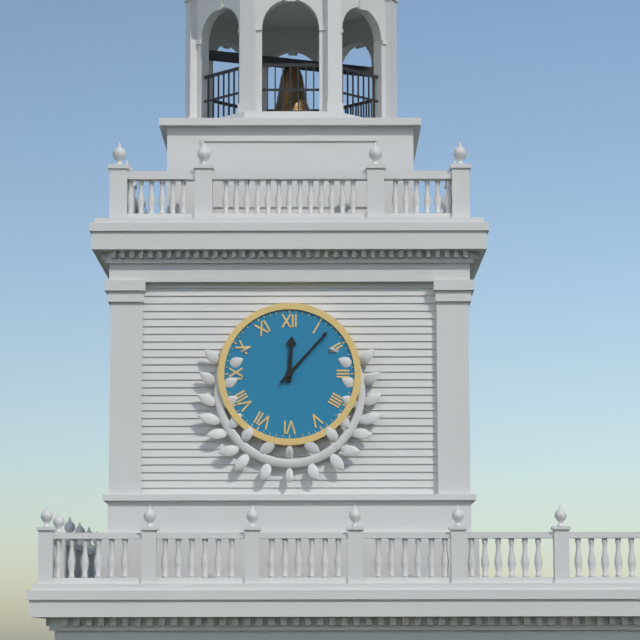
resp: 12,07
